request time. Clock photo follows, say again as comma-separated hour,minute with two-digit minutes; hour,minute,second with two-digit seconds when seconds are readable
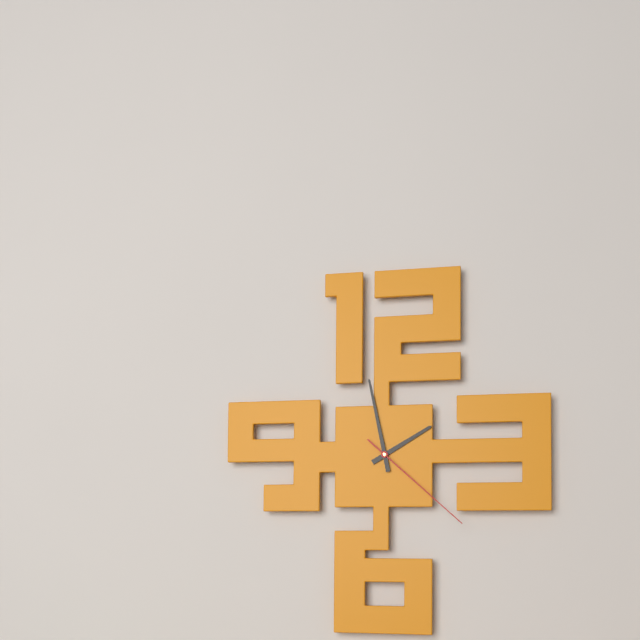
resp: 1,58,22
